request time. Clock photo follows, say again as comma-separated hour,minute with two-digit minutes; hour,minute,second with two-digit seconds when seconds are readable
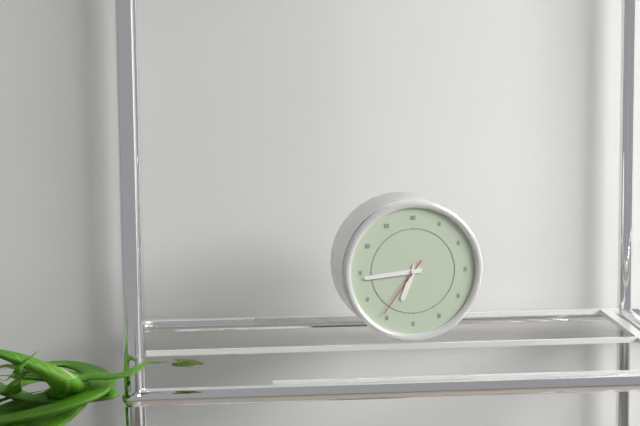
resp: 6,44,36
